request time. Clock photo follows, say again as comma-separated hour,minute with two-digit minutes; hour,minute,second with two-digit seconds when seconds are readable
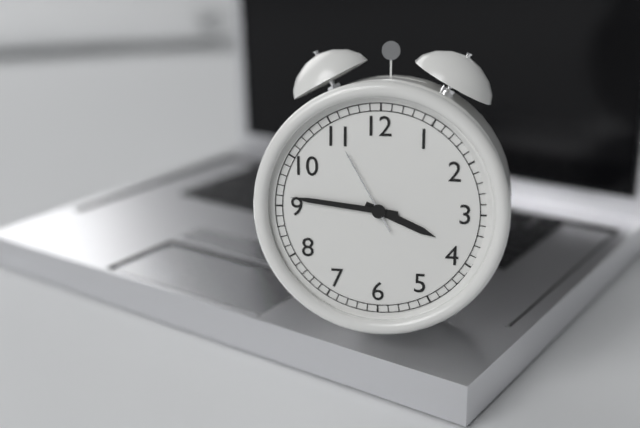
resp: 3,46,55
